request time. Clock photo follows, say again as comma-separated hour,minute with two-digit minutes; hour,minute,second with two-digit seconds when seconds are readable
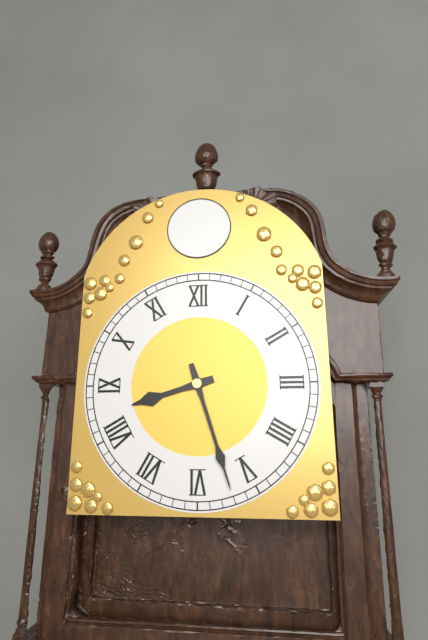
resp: 8,27
